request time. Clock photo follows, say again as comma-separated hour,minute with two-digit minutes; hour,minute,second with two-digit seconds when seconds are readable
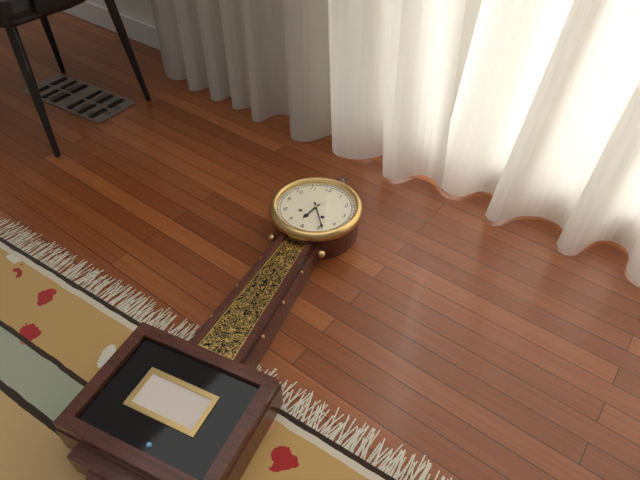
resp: 6,24
